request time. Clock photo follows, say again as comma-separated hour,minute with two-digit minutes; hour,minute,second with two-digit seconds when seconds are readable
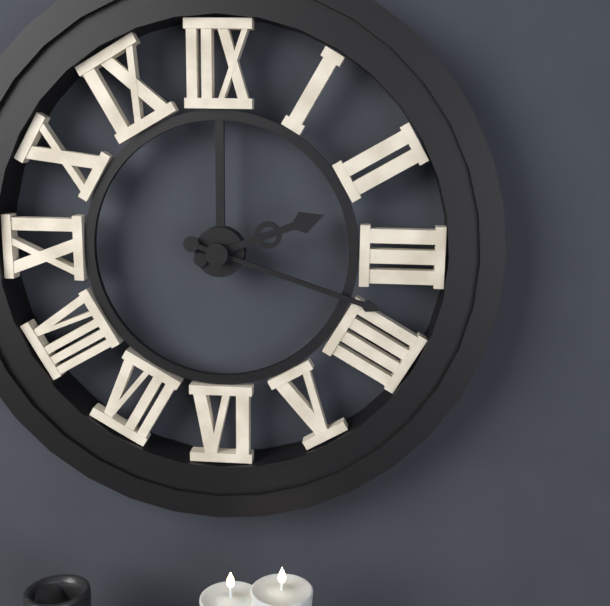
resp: 2,18
